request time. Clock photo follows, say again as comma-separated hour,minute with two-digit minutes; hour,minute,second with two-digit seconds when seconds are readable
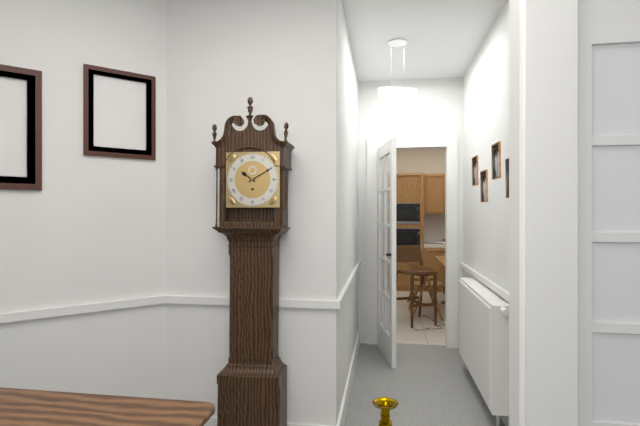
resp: 10,10
